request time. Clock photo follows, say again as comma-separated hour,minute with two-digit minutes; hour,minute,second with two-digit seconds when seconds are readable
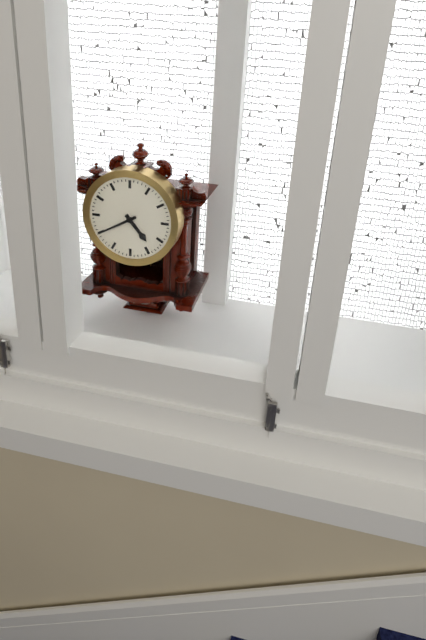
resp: 4,40
